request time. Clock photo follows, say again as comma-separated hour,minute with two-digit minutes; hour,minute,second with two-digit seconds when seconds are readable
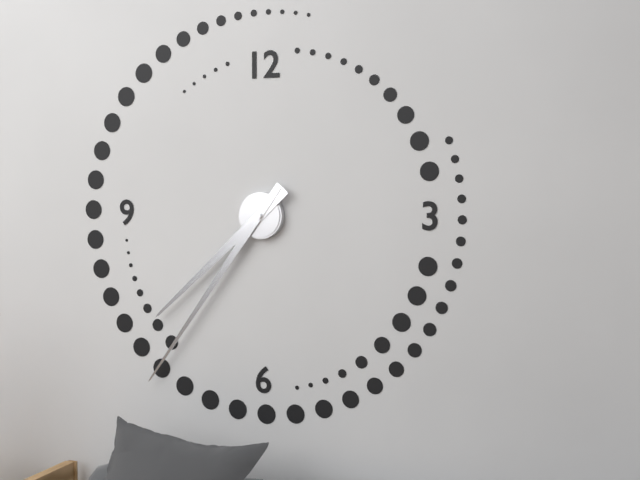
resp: 7,36
